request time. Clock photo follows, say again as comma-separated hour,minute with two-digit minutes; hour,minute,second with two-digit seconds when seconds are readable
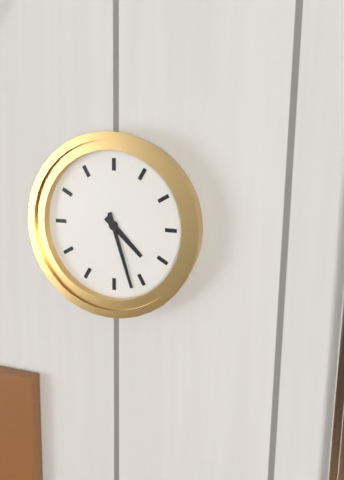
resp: 4,27
